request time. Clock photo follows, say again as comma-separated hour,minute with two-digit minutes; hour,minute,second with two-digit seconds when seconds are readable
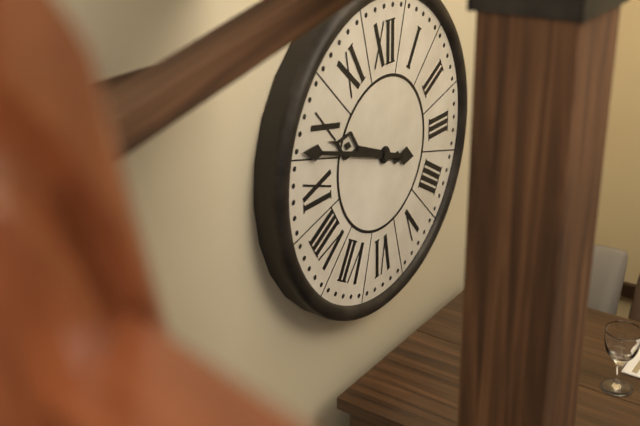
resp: 9,48
